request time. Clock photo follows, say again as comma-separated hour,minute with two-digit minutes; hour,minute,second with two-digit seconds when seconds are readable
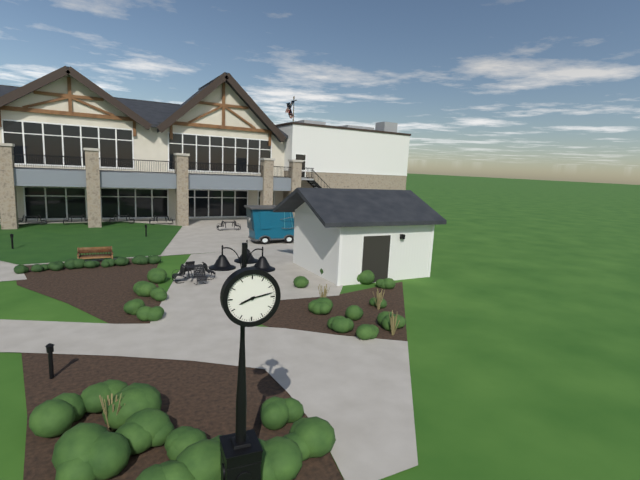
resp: 8,13
